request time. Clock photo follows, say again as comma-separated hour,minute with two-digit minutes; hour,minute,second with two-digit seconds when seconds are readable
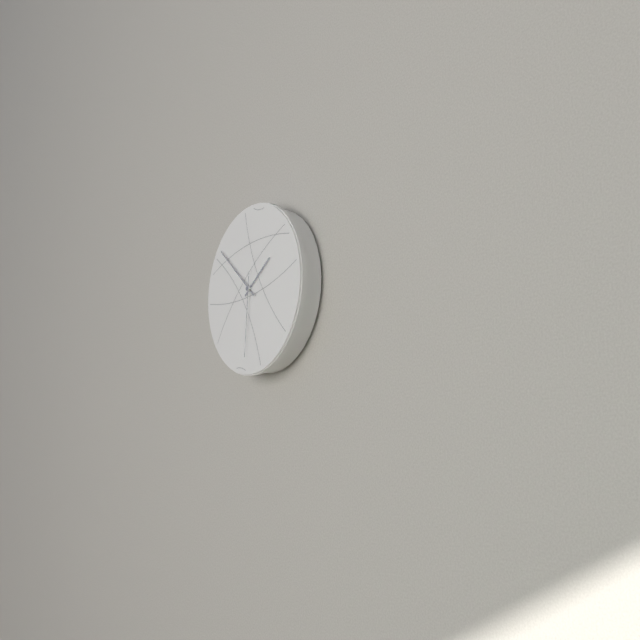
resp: 1,52,31
